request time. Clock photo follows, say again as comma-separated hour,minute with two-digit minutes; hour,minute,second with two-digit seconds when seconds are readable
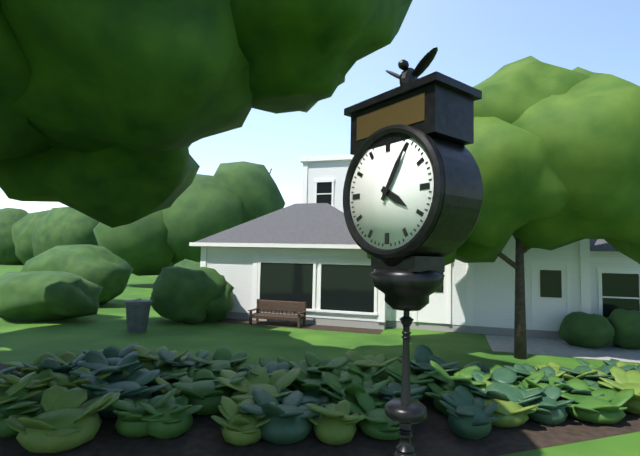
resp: 4,05
